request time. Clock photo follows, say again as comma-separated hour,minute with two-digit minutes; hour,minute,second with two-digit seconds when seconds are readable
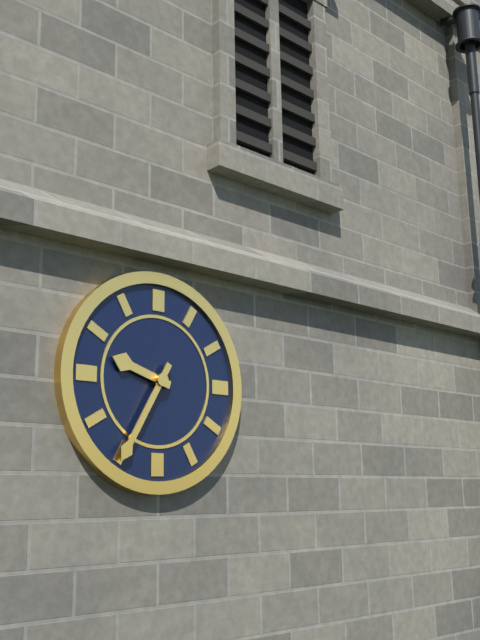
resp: 9,35
